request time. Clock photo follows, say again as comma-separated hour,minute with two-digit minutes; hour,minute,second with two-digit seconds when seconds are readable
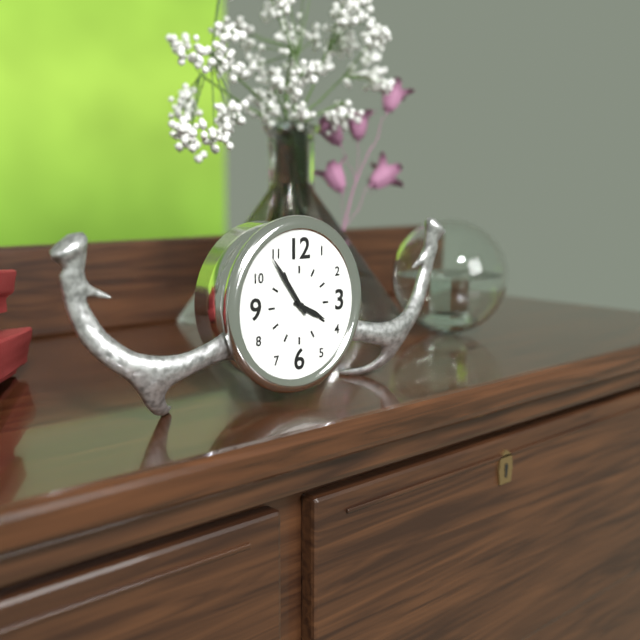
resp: 3,54
